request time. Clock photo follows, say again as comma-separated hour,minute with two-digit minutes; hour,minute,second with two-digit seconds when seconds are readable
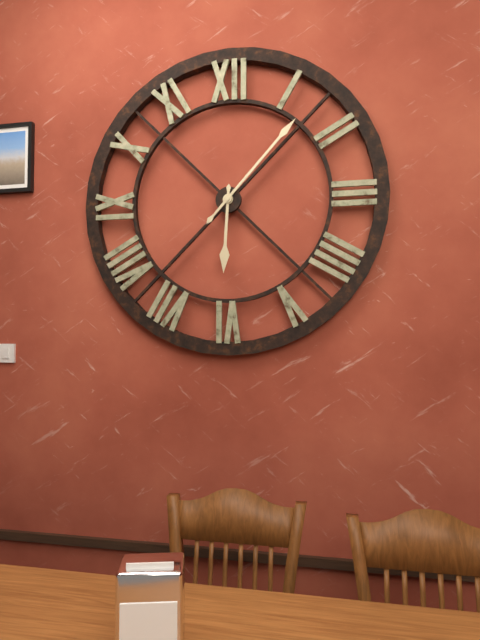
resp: 6,07
